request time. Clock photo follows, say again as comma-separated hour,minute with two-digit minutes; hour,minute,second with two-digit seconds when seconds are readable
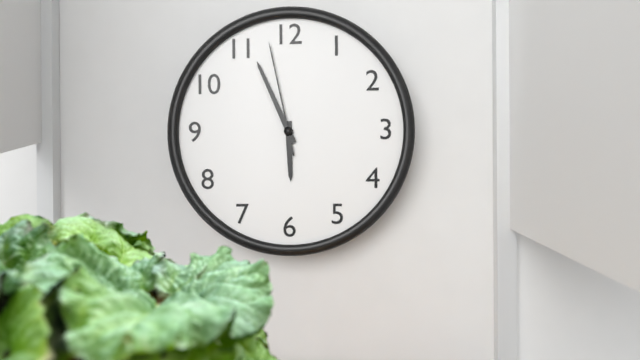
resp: 5,56,58
